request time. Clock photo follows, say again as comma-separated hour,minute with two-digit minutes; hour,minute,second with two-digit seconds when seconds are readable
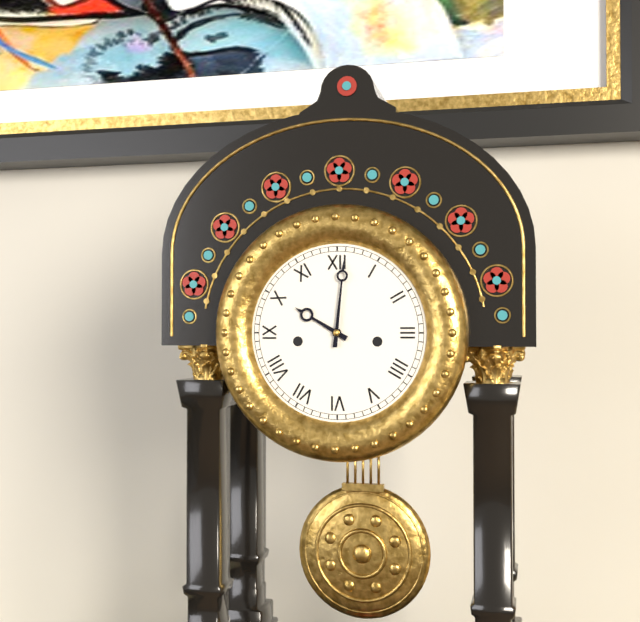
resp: 10,01
